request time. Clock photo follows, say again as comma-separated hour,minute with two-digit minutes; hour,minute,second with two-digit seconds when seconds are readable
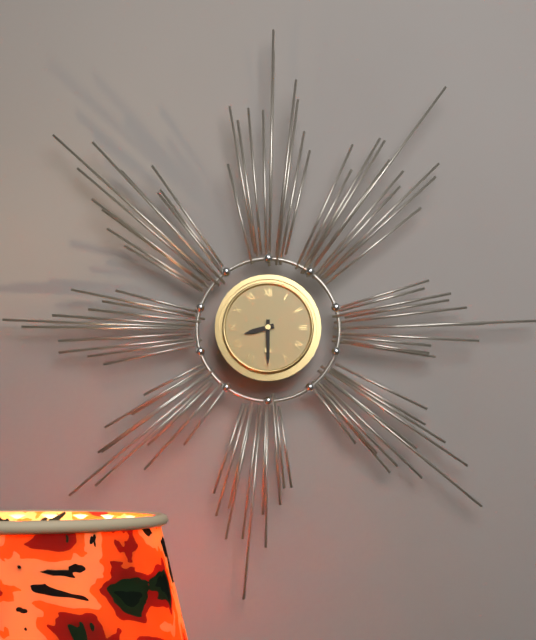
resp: 8,30
